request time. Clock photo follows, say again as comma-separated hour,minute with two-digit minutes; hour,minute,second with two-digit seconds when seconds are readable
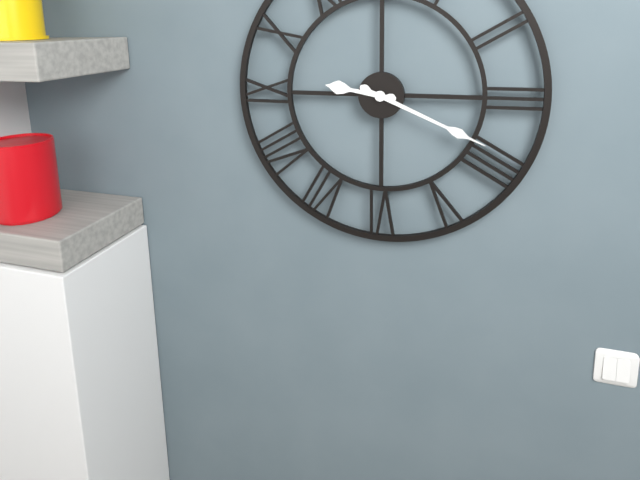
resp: 9,19
